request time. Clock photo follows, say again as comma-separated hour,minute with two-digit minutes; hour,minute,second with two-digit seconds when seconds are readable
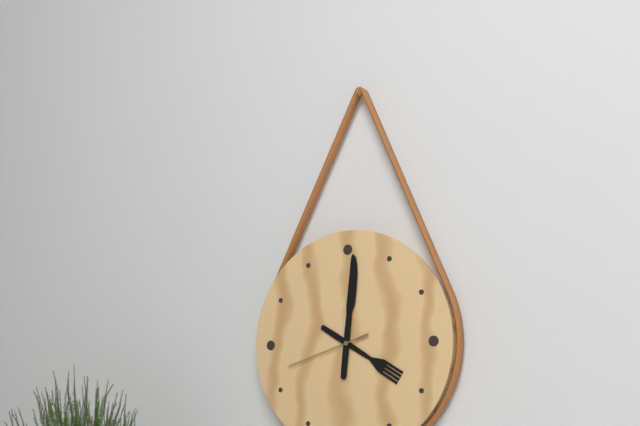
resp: 4,01,42
